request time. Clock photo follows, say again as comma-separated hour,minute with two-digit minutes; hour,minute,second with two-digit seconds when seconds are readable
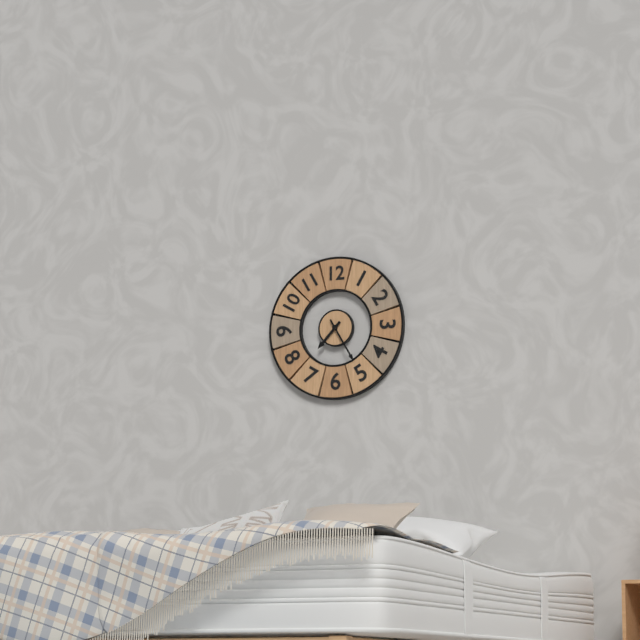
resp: 7,25
